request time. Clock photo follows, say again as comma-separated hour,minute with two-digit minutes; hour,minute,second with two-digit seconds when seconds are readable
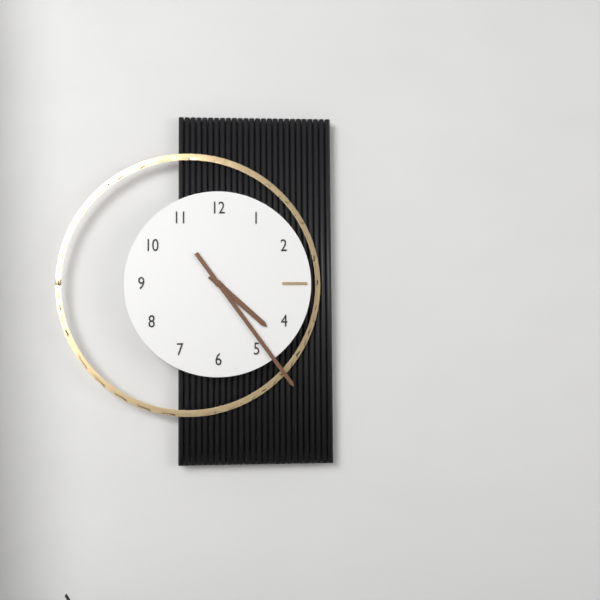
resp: 4,24
